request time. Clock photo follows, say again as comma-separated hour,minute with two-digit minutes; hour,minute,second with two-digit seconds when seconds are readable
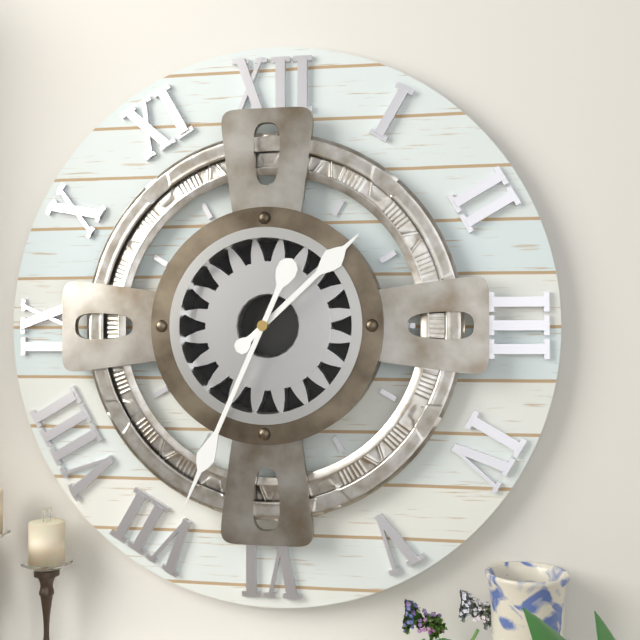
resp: 1,34
